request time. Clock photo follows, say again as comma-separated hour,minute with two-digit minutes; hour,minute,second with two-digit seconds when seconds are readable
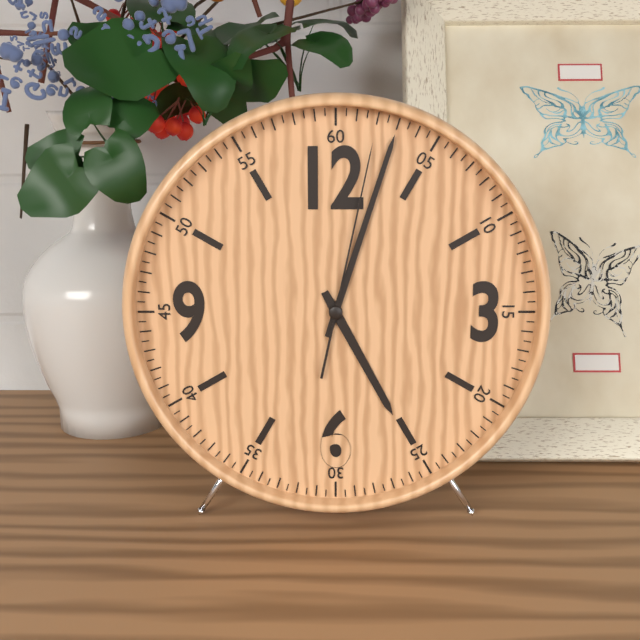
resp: 5,03,02
